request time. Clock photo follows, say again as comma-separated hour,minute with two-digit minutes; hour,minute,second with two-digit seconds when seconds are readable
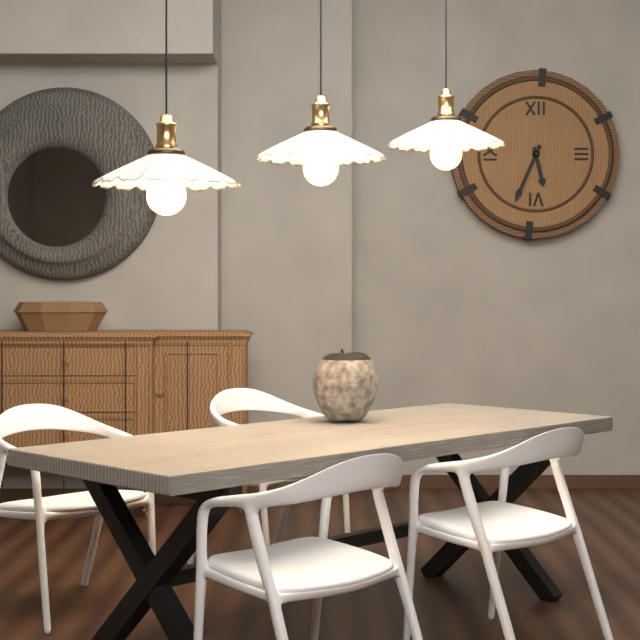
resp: 5,34
